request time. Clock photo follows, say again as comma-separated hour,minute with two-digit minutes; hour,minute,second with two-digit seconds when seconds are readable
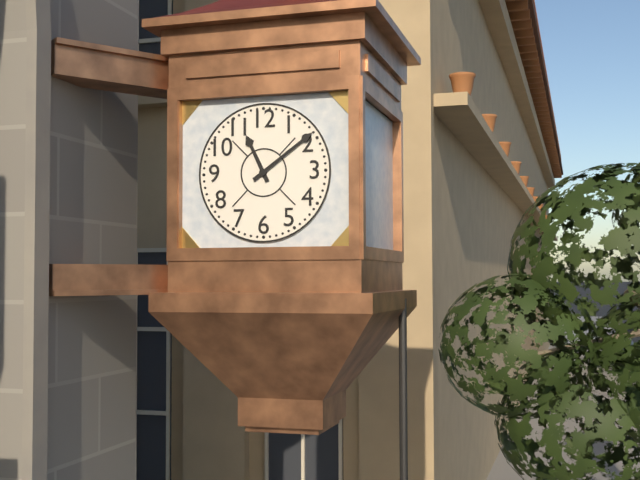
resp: 11,09
